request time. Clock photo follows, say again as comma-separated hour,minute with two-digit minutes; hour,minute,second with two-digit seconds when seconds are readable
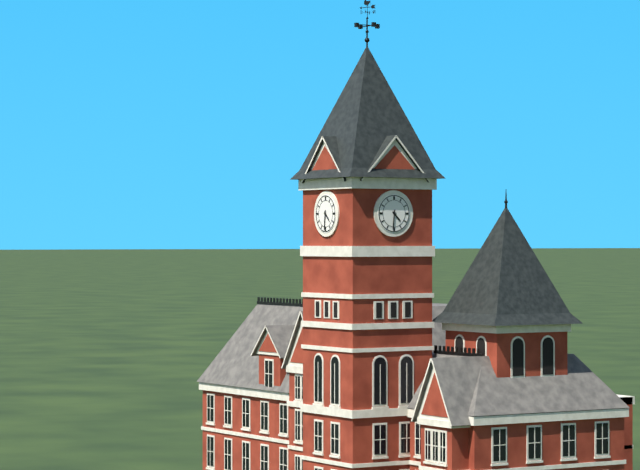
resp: 4,31
